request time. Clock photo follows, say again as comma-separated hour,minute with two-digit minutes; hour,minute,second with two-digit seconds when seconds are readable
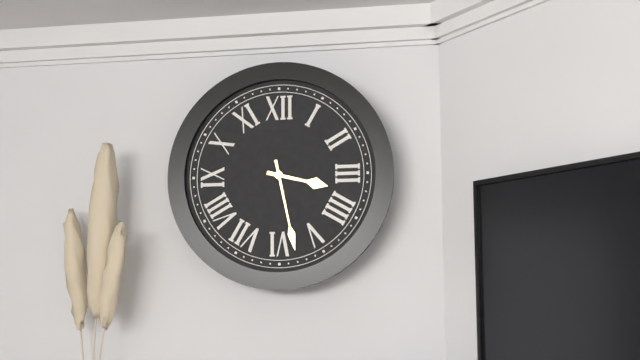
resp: 3,28
